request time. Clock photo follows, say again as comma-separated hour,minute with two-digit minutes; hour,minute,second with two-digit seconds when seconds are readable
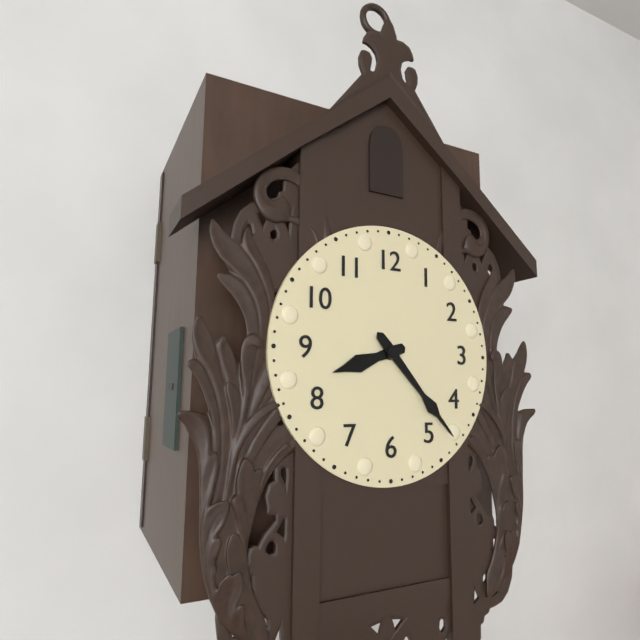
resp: 8,23
